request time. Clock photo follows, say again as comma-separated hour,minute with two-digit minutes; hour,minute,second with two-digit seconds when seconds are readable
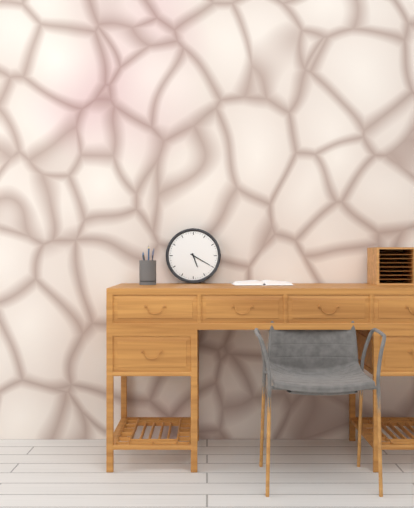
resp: 5,20
